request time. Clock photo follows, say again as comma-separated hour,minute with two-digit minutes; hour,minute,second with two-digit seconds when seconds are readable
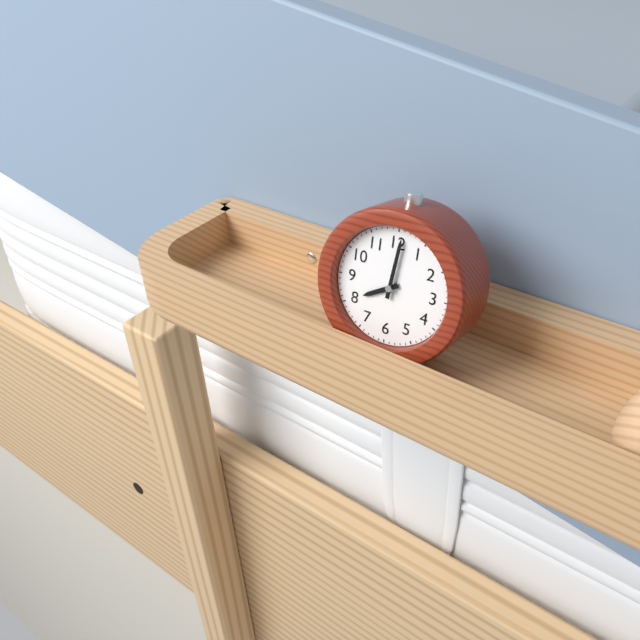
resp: 8,01
